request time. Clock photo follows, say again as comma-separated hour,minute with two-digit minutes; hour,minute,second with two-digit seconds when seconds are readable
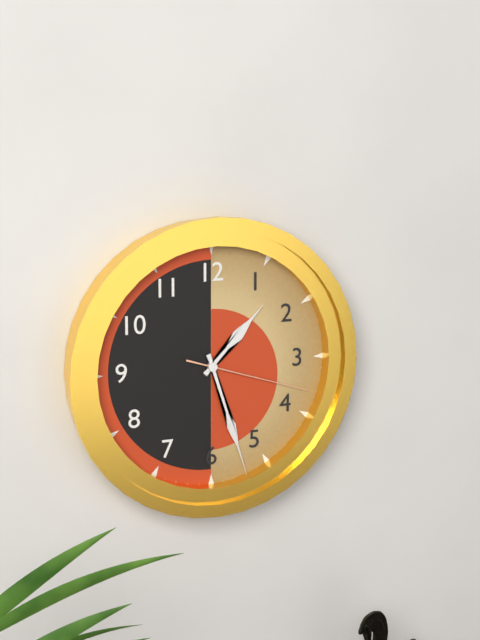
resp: 1,27,18
